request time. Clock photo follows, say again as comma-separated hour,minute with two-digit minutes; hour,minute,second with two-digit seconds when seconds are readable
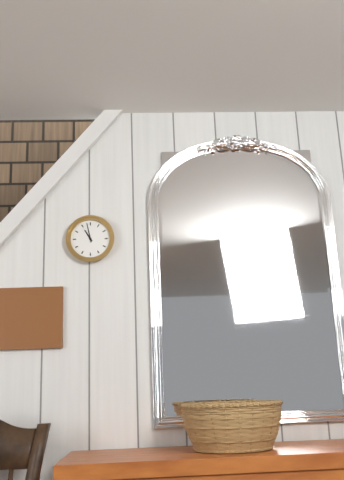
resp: 10,58
